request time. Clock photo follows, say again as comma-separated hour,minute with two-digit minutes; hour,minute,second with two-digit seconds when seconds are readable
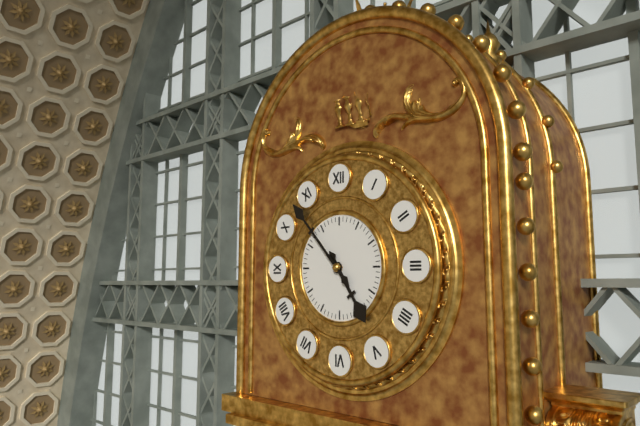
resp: 4,53
